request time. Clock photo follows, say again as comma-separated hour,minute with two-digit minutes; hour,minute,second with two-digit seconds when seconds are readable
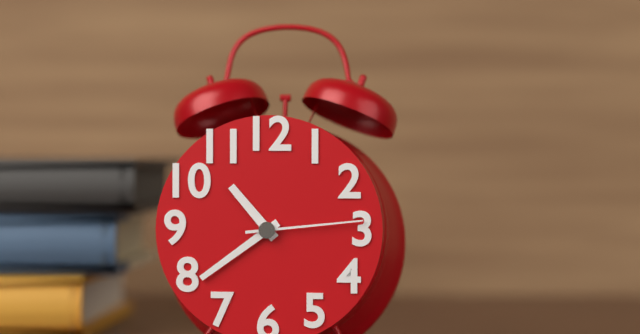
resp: 10,39,14
